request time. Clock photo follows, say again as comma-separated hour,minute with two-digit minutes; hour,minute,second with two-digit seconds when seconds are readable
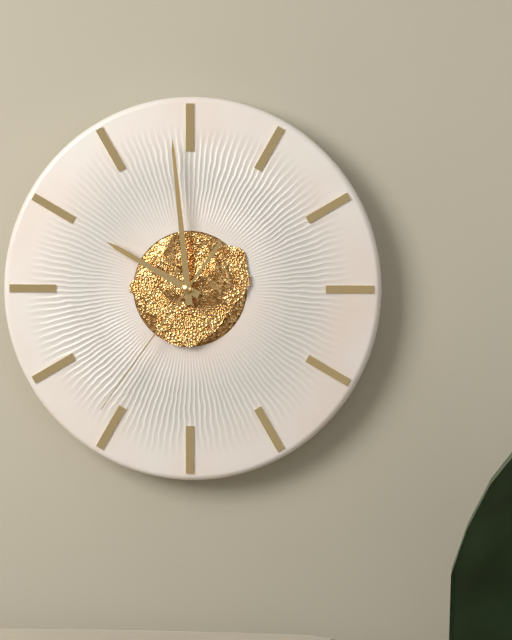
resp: 9,59,36
